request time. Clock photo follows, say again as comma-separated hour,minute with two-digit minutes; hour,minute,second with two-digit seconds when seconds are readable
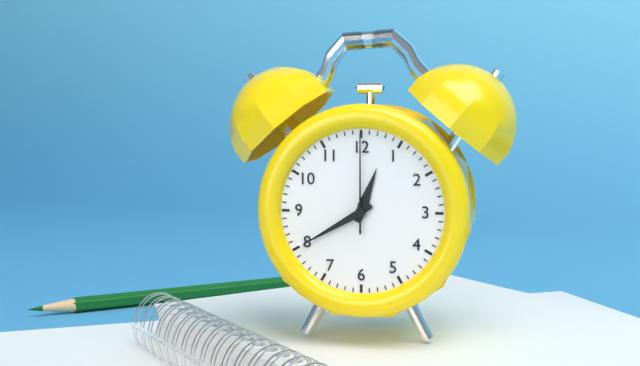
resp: 12,40,00
